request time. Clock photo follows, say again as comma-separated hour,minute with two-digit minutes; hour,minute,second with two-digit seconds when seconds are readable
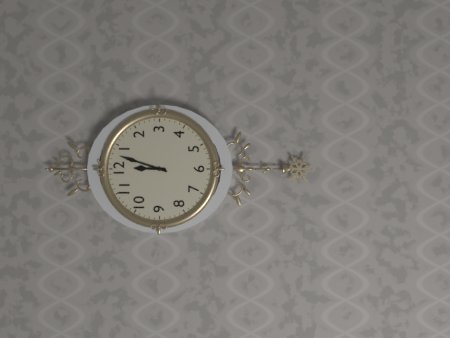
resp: 12,03
